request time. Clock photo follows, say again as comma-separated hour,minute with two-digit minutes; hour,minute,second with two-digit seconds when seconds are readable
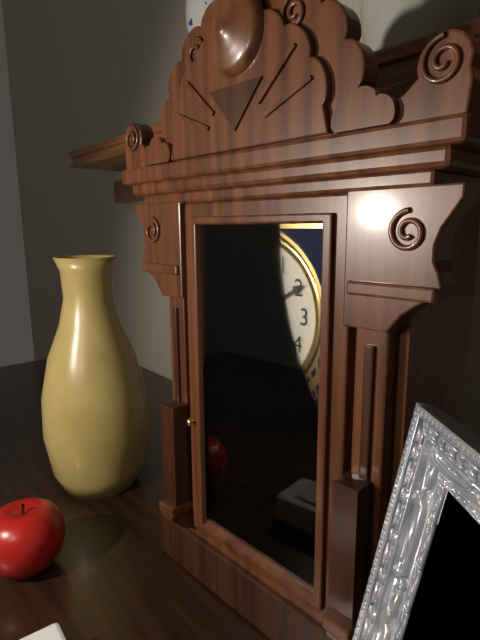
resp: 5,10
